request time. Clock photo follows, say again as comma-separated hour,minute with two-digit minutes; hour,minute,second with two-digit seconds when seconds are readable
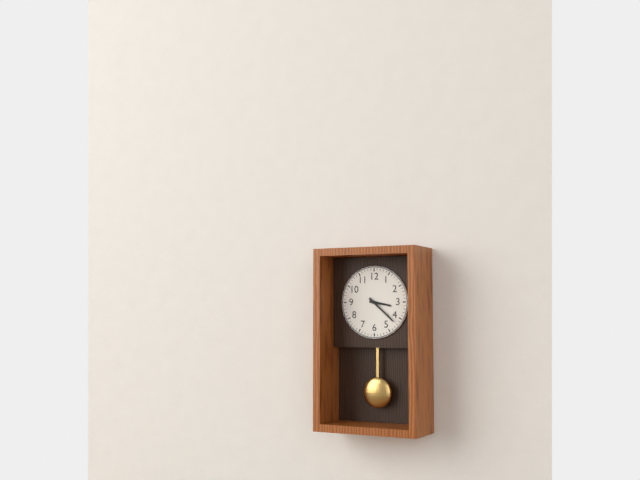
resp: 3,22
